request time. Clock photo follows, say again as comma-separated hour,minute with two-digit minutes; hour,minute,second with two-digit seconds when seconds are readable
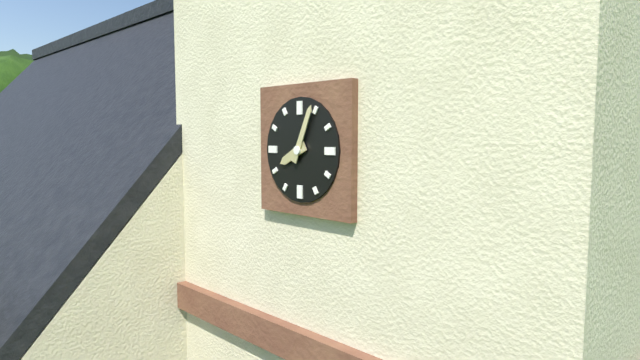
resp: 8,04
